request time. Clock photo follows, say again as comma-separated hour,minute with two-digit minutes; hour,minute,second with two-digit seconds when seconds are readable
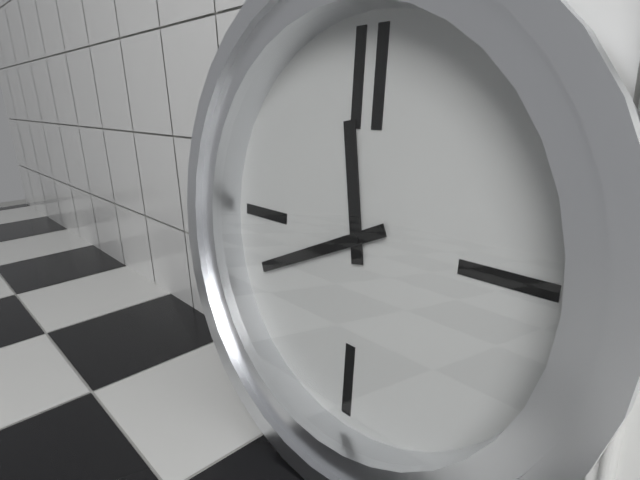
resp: 11,41
